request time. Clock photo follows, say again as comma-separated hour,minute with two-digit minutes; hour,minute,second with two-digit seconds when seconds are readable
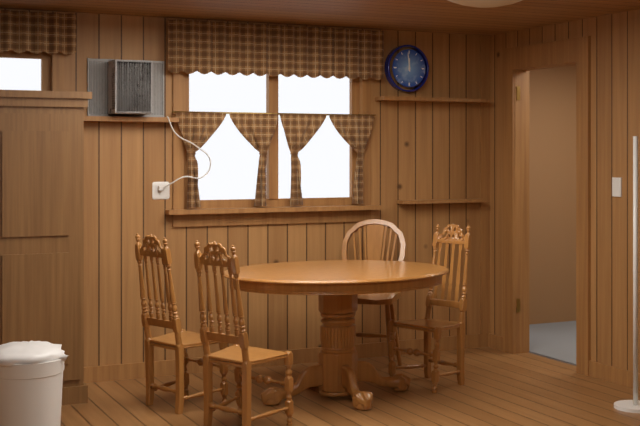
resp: 11,59
